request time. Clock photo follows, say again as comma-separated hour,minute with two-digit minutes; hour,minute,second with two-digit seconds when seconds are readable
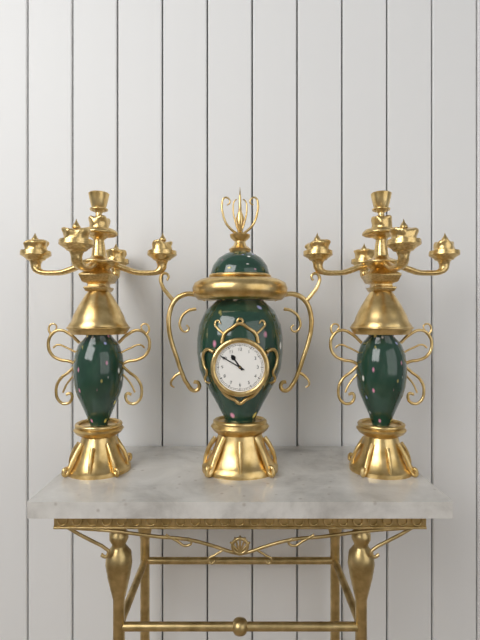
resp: 10,50
